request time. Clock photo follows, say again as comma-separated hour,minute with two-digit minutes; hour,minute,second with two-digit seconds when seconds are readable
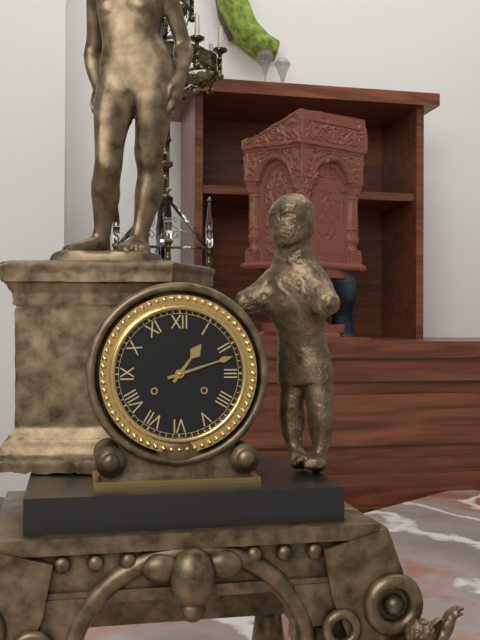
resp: 1,12
